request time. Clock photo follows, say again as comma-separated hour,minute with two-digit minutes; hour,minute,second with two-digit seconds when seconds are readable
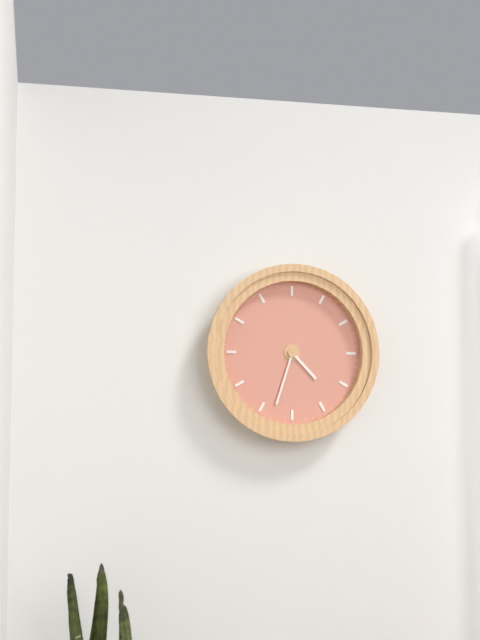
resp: 4,33
